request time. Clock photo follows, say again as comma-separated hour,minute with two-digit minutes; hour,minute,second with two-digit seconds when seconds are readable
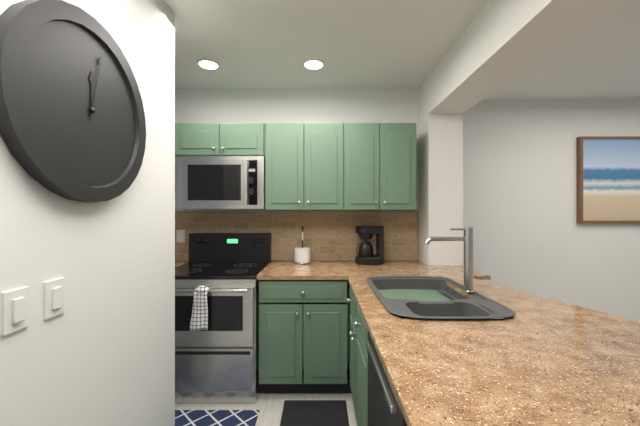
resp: 12,02
